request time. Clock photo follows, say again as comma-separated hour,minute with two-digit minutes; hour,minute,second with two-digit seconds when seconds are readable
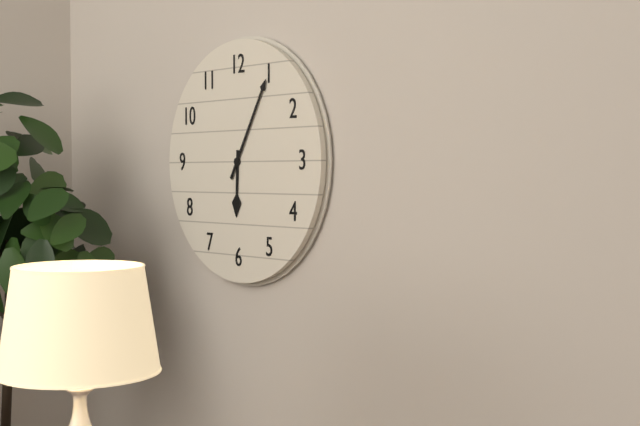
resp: 6,05
